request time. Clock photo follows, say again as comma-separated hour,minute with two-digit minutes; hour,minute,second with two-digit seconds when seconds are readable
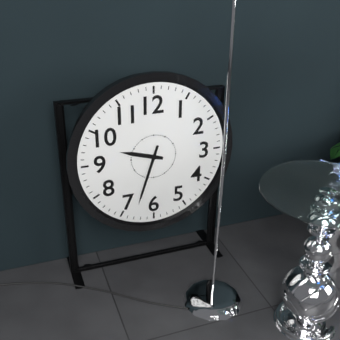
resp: 9,33
